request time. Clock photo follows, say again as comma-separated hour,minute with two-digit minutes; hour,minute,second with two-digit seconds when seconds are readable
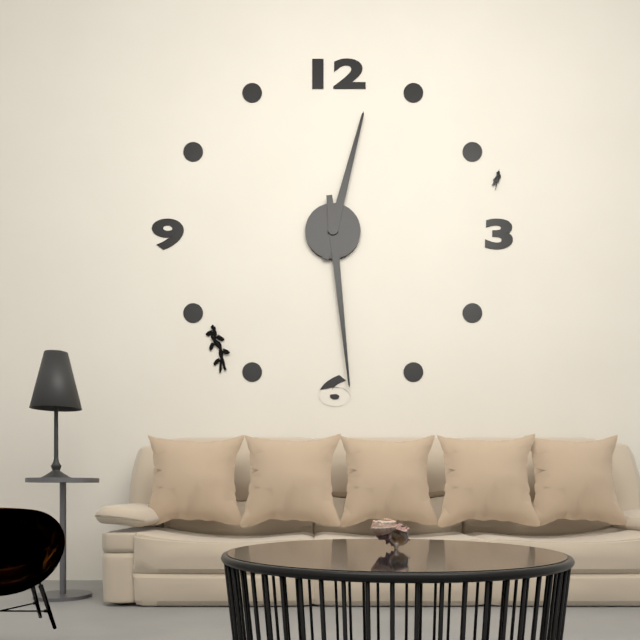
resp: 12,29
